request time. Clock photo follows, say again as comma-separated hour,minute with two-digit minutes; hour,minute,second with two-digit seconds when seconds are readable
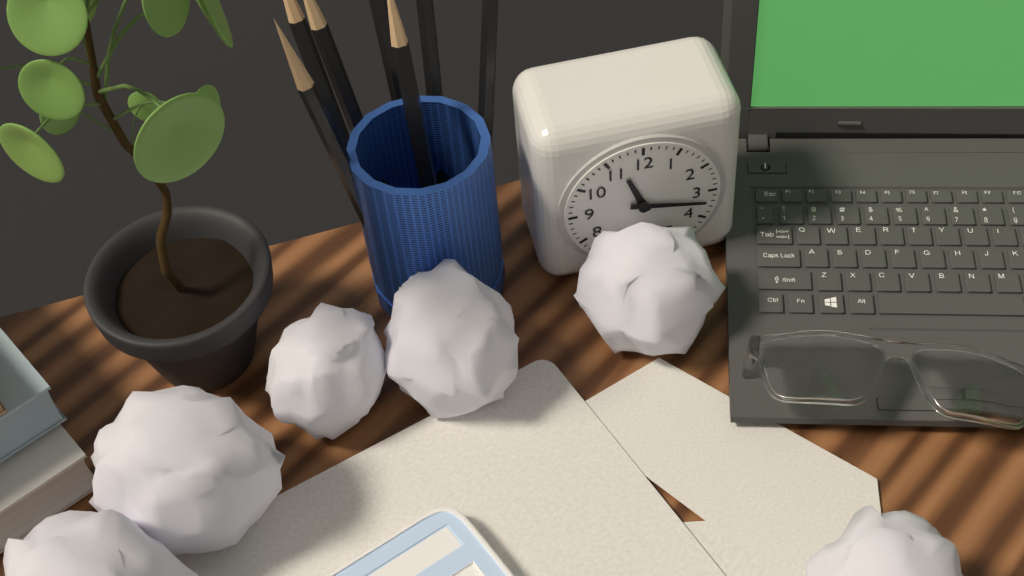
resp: 11,17
